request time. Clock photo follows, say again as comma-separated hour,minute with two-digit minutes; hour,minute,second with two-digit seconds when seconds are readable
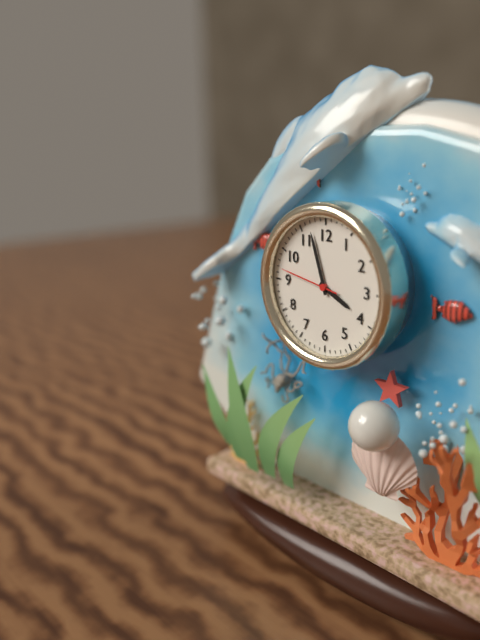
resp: 3,57,47
